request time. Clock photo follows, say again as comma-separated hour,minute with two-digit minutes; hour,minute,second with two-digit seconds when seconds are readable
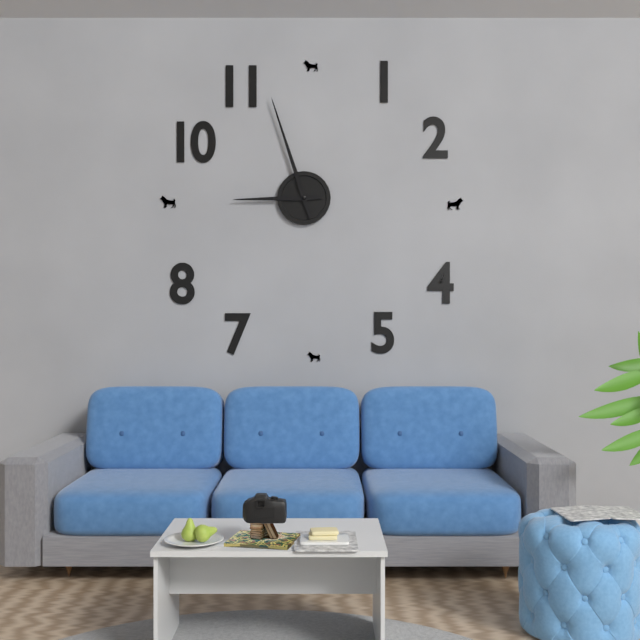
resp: 8,57
